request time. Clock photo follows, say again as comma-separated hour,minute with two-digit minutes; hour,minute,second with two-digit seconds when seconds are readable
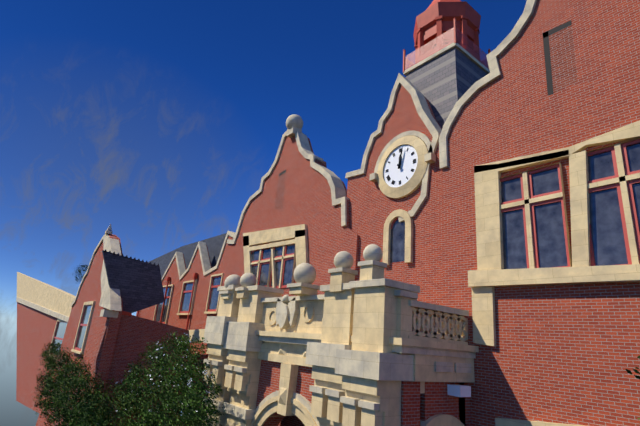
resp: 12,02
